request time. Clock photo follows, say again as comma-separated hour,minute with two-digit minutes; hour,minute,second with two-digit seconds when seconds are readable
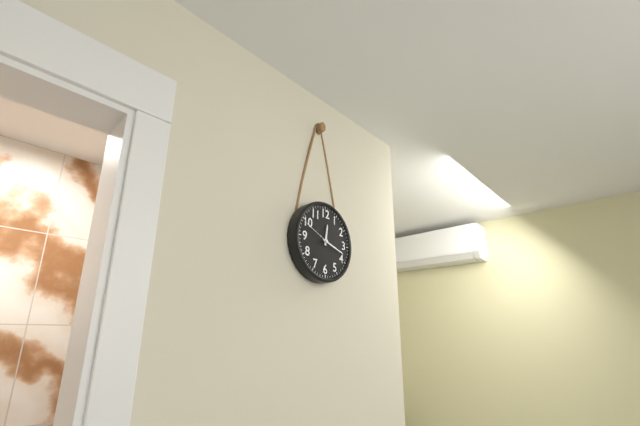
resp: 12,18
